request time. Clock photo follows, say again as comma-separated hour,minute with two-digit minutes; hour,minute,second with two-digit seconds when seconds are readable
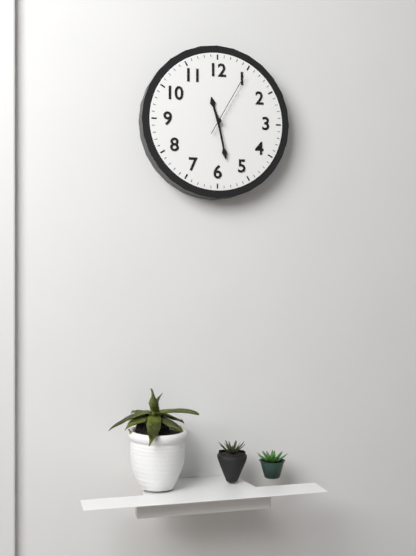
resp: 11,28,05
